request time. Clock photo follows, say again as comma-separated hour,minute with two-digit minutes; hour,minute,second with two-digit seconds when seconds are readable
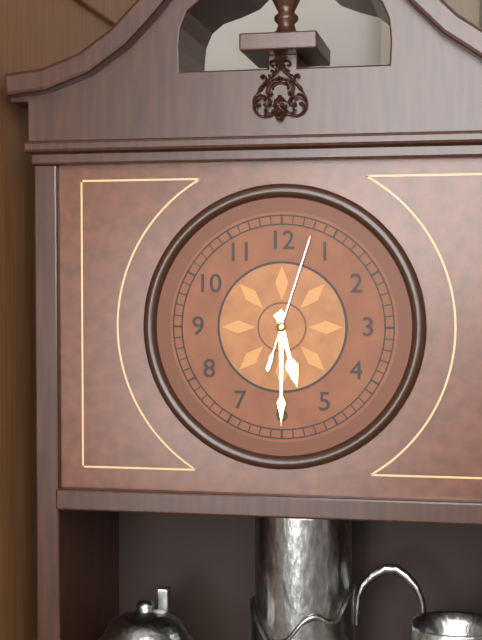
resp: 5,30,03
